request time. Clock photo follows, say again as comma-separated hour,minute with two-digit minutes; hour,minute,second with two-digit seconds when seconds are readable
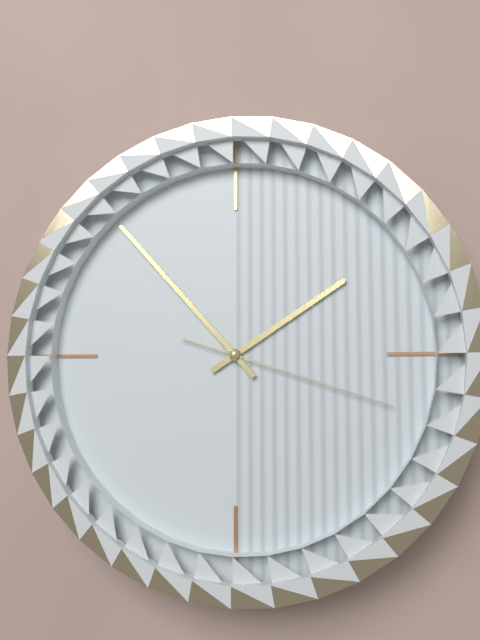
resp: 1,53,18
